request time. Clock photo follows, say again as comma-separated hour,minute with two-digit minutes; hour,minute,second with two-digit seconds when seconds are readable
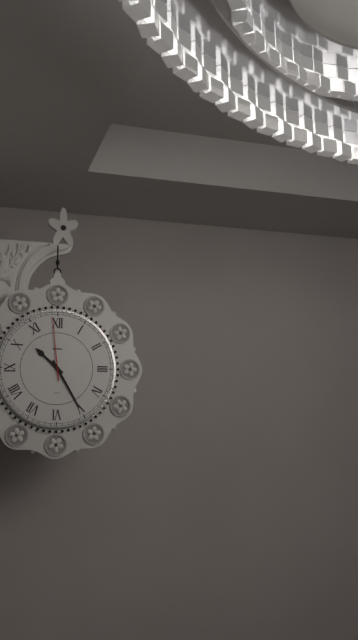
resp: 10,25,59
